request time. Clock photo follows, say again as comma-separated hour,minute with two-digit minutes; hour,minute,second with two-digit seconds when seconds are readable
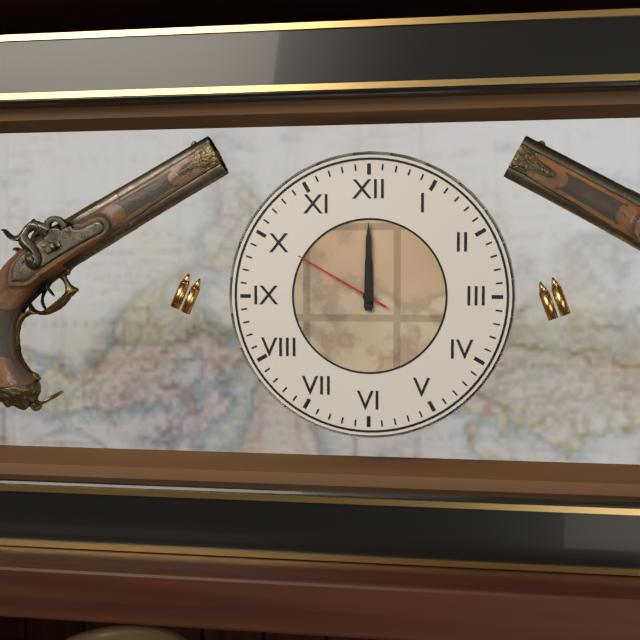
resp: 12,00,50
